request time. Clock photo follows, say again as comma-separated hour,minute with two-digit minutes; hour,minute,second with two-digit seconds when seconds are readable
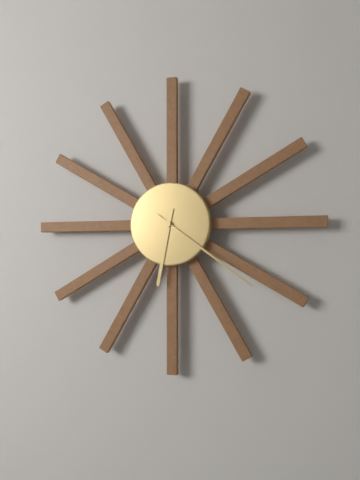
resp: 6,21
